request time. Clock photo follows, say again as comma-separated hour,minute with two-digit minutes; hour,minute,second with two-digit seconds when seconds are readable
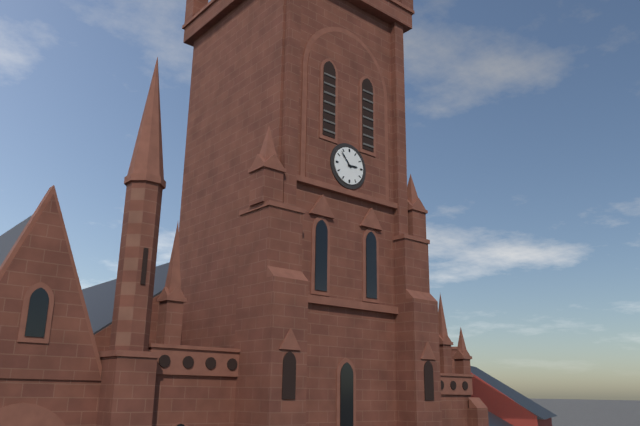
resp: 2,53
